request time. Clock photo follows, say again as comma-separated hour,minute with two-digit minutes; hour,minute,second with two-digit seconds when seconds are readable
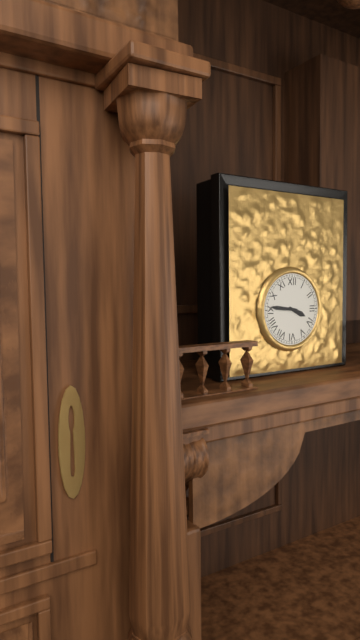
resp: 3,46
